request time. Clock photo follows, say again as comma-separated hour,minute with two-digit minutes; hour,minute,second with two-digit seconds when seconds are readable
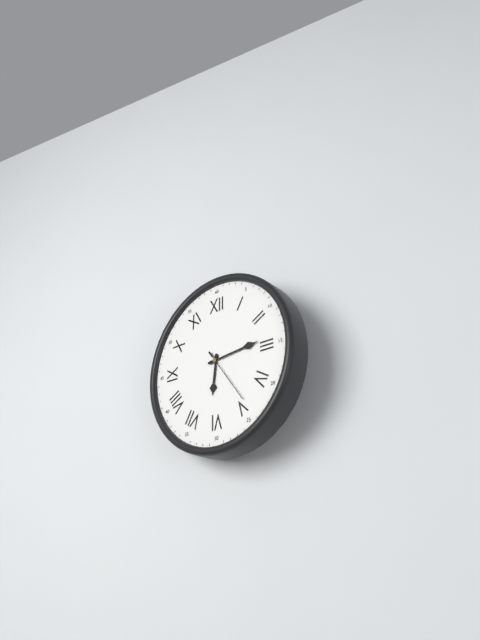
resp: 6,14,24
